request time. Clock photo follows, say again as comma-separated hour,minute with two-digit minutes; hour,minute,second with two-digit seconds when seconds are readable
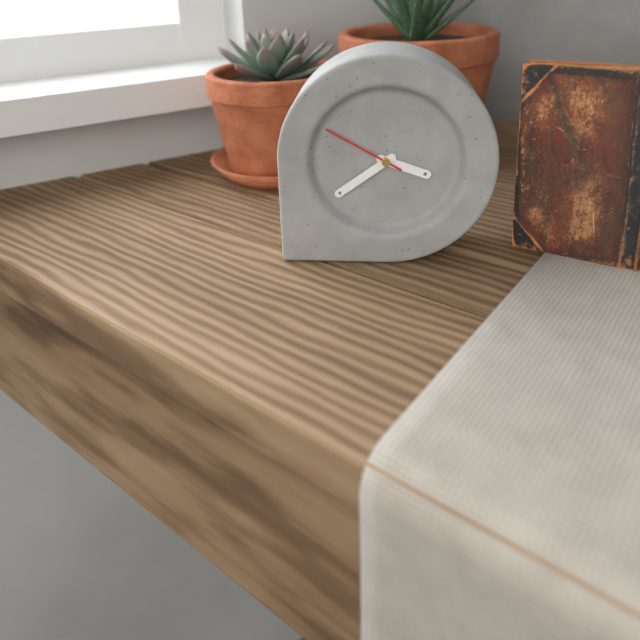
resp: 3,39,50
